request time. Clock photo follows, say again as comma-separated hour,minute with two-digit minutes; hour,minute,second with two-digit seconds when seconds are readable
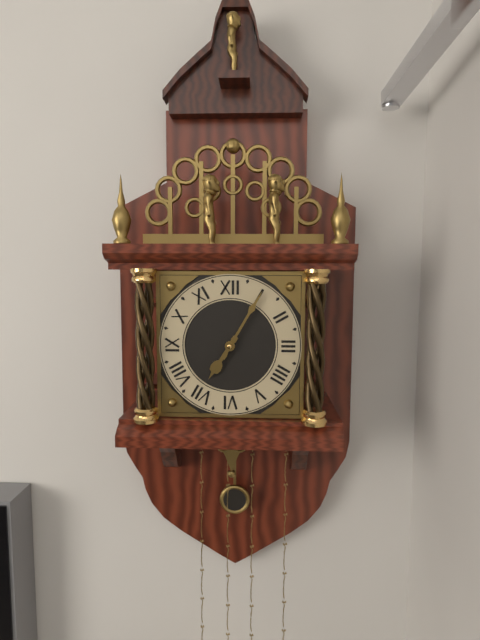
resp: 7,05
